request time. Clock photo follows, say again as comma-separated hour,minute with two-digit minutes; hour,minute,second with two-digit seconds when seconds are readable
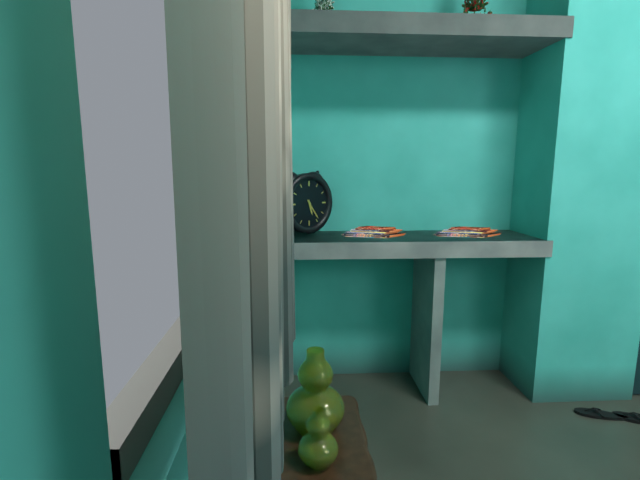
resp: 5,24
